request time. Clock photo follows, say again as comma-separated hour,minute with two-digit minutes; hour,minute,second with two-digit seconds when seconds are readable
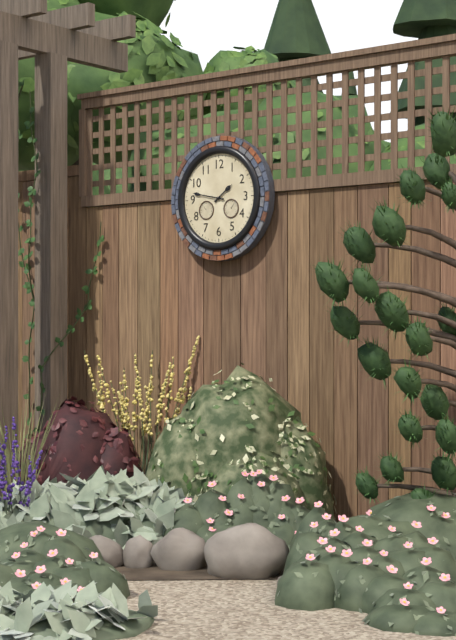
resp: 1,47
